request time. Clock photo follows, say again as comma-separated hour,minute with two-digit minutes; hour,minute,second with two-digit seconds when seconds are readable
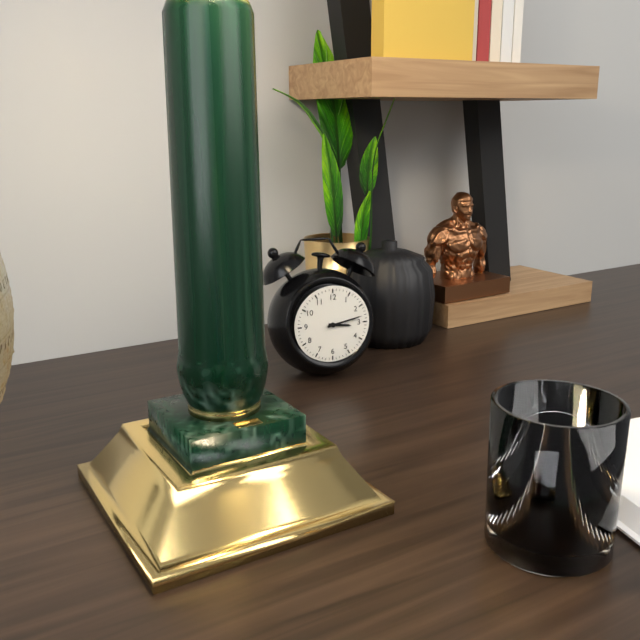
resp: 3,13
